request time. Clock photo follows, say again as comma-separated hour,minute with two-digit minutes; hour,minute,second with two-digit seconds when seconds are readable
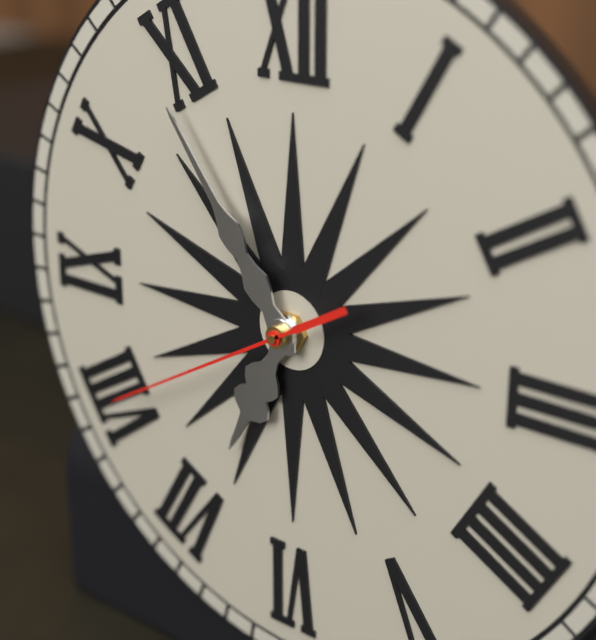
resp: 6,54,40
